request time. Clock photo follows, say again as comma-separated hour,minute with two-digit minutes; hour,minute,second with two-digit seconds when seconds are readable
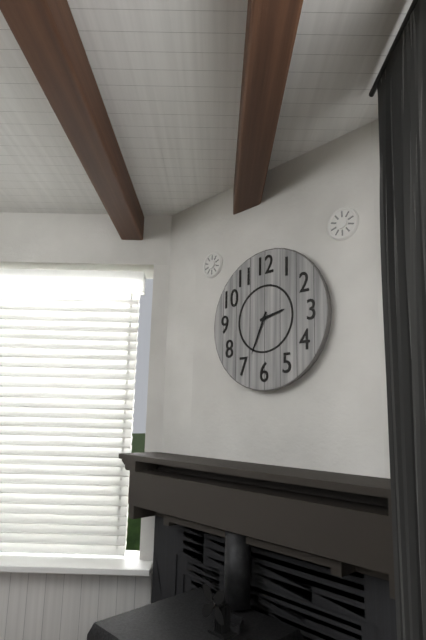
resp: 2,34
